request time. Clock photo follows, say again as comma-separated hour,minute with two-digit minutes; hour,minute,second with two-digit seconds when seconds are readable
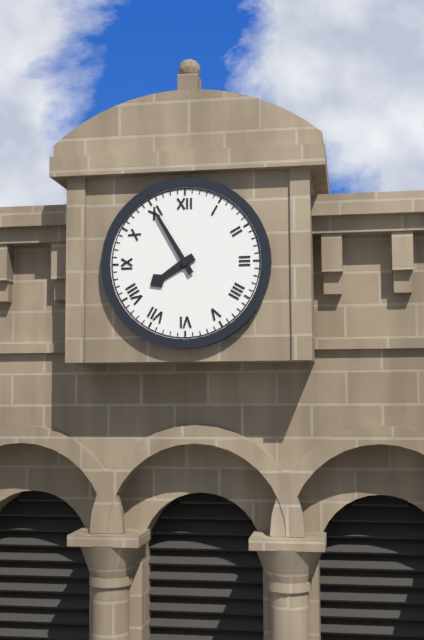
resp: 7,55
